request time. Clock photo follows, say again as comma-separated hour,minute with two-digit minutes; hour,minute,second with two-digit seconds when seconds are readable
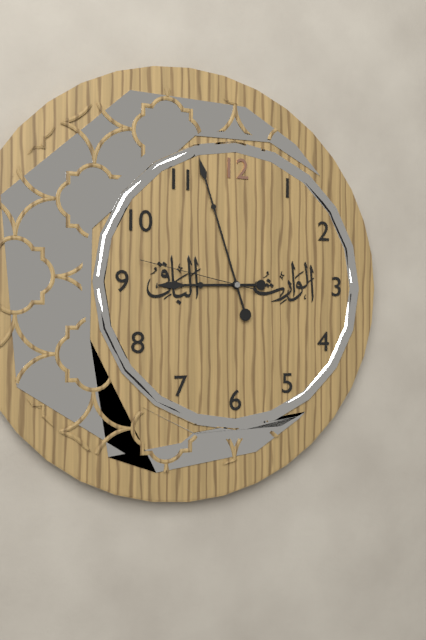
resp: 8,57,47
